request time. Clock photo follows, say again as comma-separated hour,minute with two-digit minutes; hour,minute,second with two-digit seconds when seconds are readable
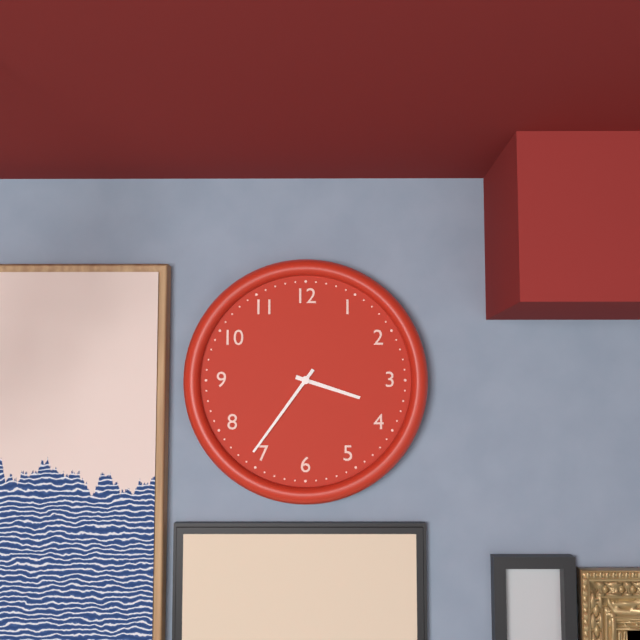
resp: 3,36
